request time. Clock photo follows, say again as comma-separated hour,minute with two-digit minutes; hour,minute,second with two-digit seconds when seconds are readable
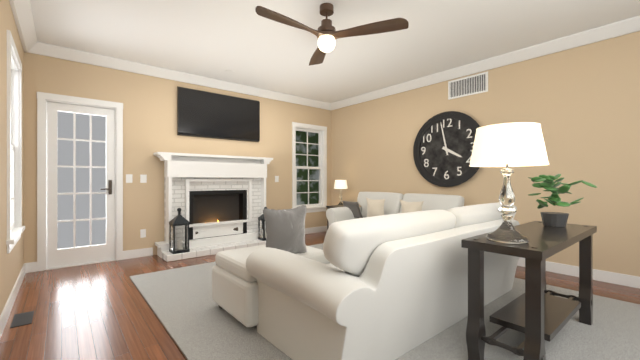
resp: 3,58
